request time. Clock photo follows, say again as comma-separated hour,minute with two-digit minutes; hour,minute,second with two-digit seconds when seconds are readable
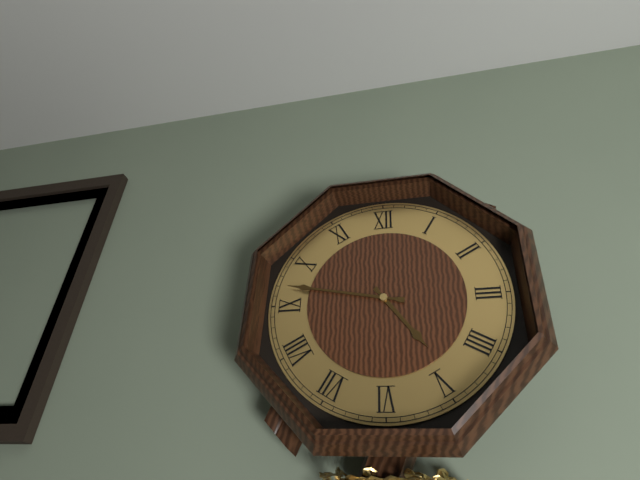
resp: 4,47
